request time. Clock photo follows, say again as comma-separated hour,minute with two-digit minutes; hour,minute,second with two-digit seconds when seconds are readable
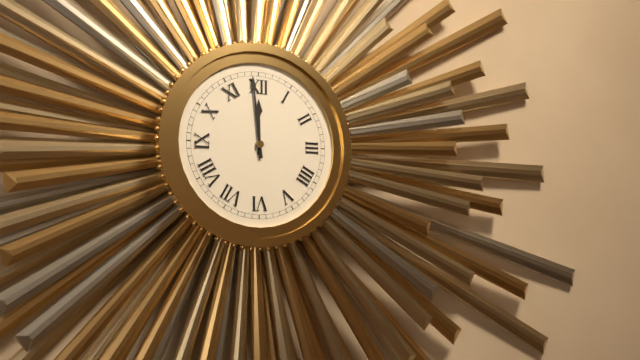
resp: 11,59
